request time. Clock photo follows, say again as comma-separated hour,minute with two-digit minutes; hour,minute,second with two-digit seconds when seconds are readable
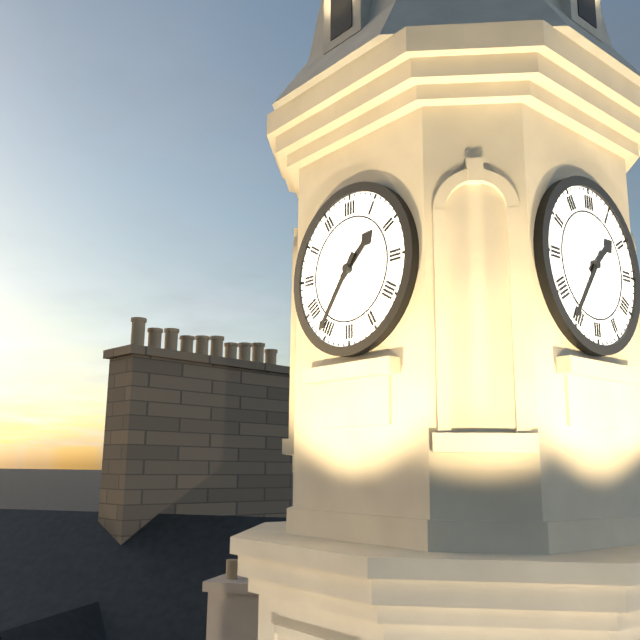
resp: 1,36
